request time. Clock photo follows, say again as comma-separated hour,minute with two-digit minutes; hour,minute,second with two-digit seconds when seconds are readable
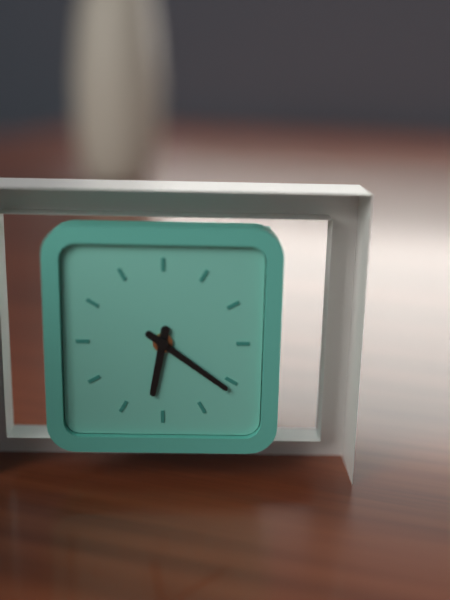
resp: 6,21
